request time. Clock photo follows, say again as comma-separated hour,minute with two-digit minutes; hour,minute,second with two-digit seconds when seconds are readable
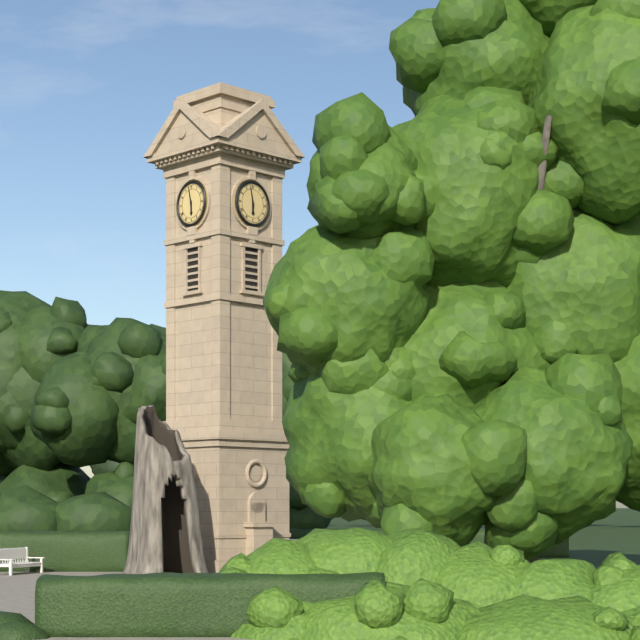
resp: 5,58
